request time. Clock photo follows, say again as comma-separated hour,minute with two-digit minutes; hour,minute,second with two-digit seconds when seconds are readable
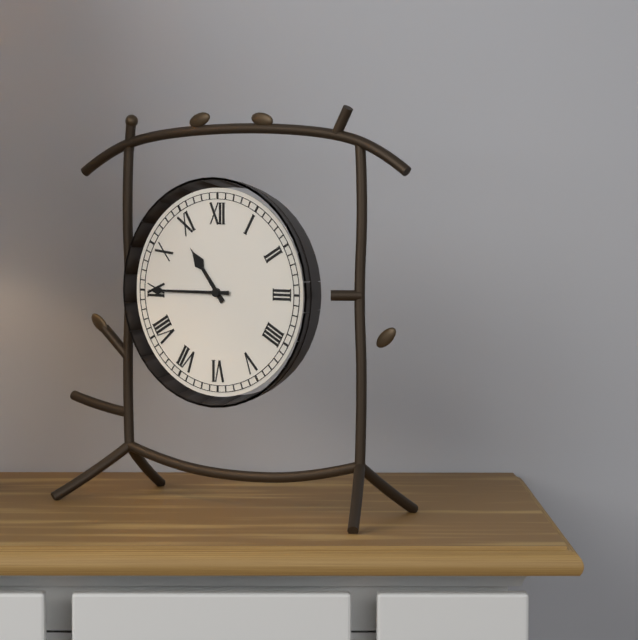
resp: 10,45
